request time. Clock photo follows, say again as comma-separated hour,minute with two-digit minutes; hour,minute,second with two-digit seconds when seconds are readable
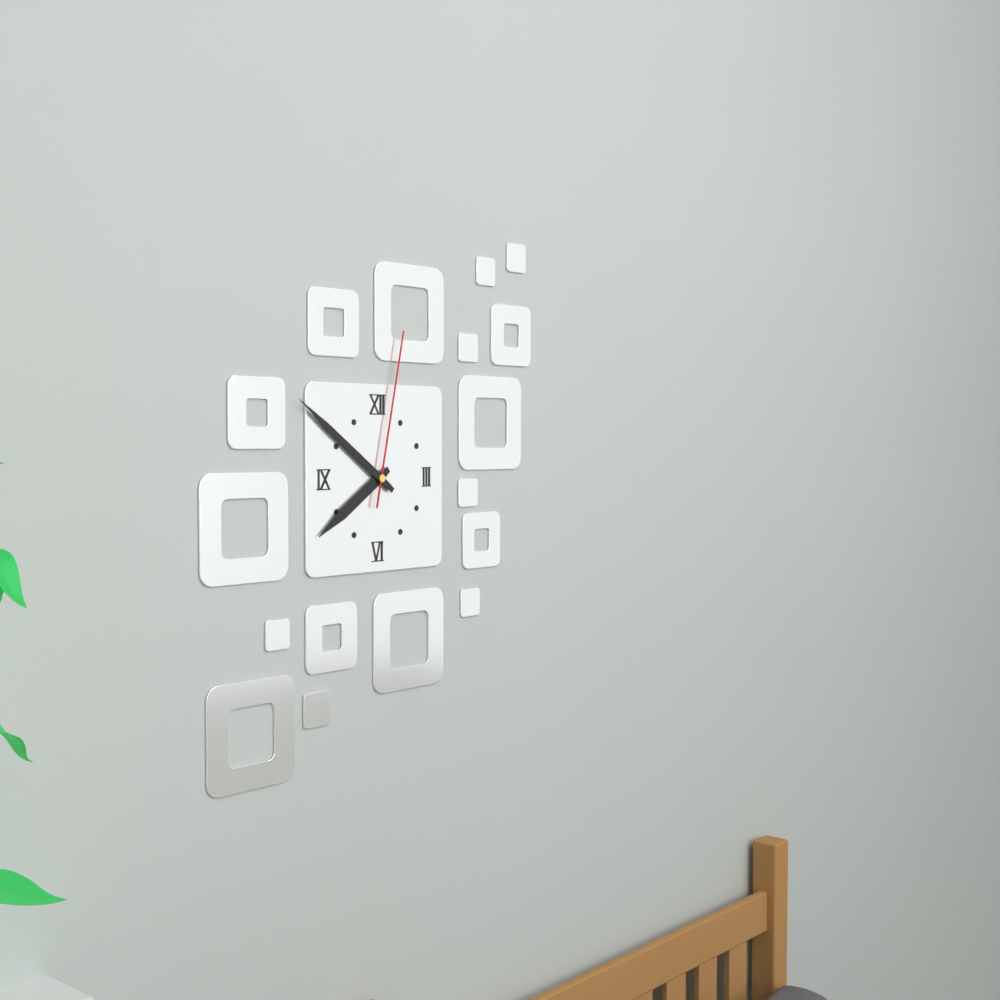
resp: 7,51,02
